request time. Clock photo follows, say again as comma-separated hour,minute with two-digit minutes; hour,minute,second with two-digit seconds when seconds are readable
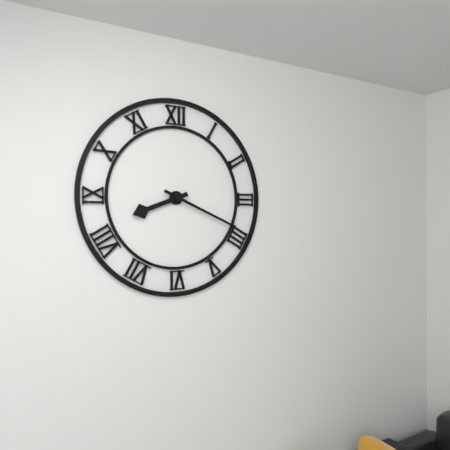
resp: 8,19
